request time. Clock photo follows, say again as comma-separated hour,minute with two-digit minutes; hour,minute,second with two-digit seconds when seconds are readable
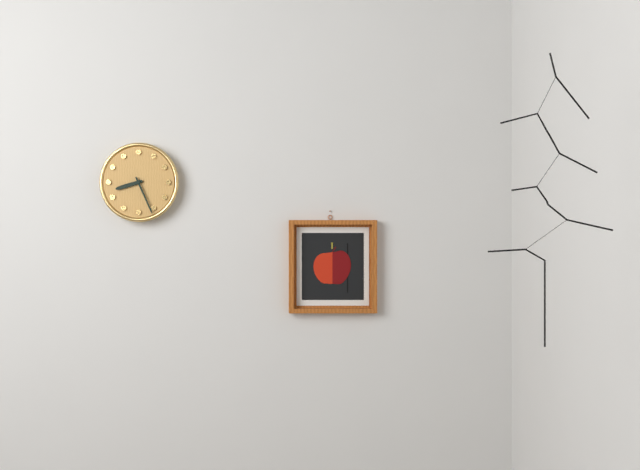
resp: 8,26
